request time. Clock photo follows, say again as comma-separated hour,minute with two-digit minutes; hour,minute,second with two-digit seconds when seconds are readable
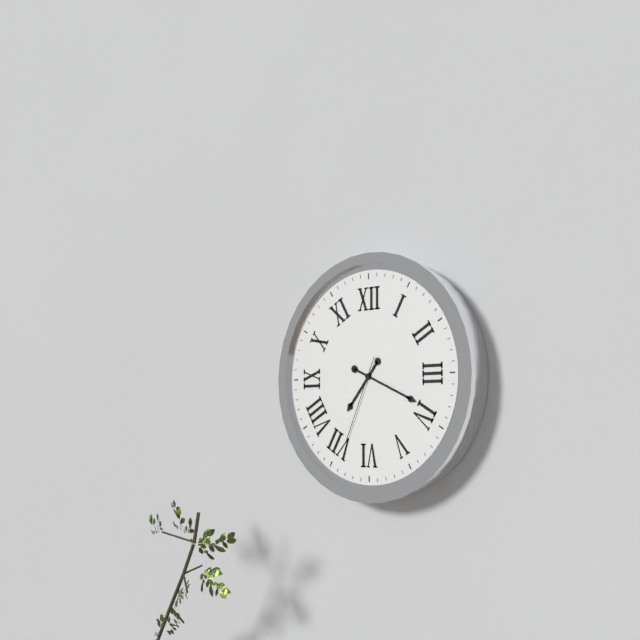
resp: 7,19,34
